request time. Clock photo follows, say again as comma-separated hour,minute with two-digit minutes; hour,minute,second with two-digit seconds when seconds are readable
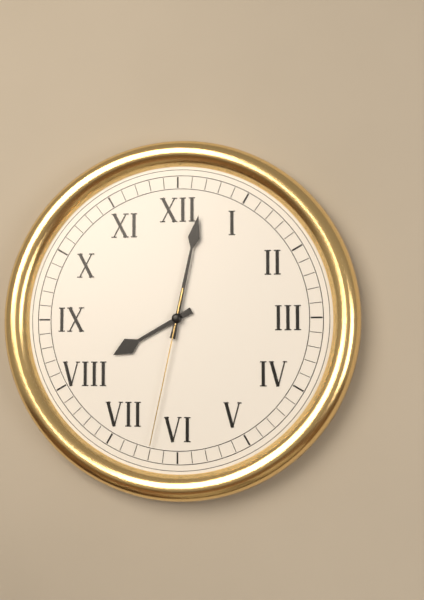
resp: 8,02,32
